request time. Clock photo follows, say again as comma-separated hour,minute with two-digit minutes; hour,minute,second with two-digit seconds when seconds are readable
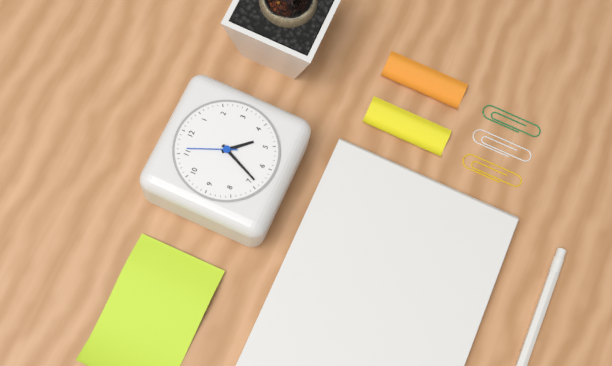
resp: 4,34,56
